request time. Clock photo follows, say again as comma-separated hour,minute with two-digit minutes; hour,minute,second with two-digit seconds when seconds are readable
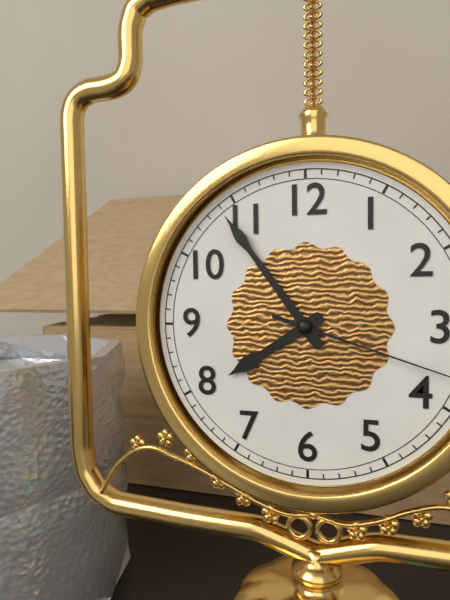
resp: 7,54
